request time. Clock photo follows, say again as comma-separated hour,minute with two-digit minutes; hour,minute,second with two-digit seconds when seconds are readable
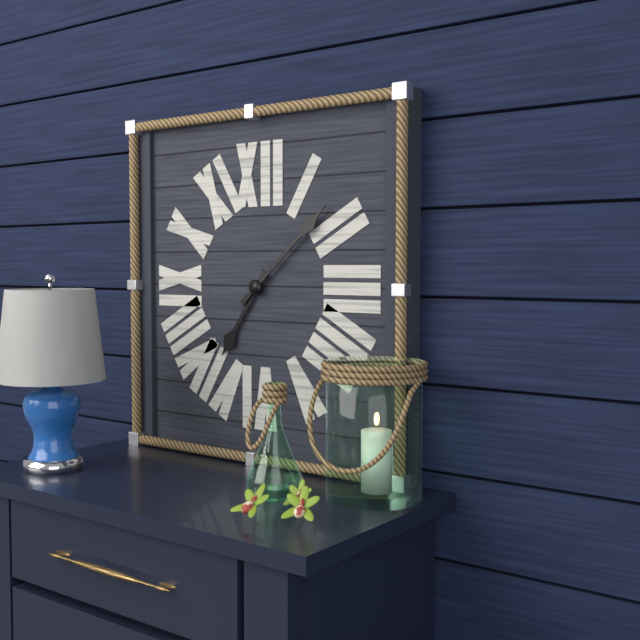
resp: 7,08
